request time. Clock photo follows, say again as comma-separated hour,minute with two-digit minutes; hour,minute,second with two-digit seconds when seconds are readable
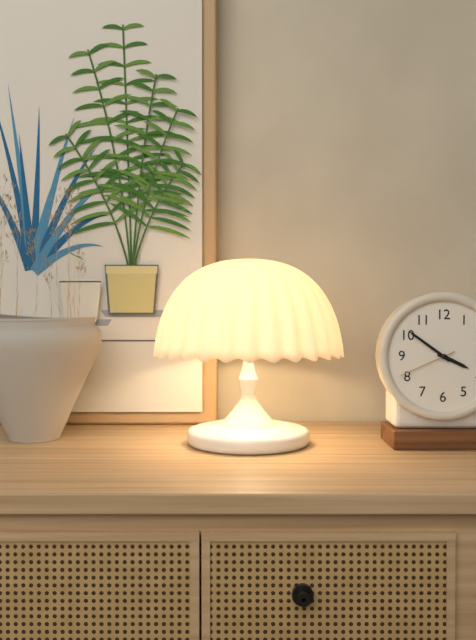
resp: 3,51,41
